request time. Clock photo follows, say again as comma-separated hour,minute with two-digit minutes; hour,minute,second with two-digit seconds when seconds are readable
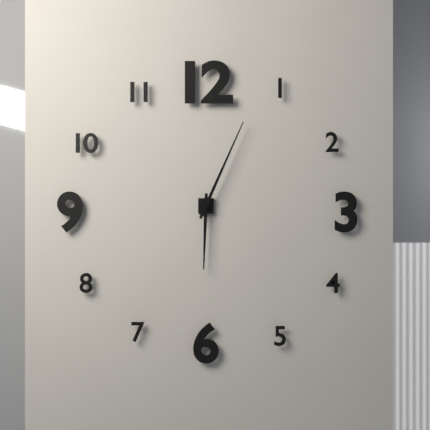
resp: 6,04
